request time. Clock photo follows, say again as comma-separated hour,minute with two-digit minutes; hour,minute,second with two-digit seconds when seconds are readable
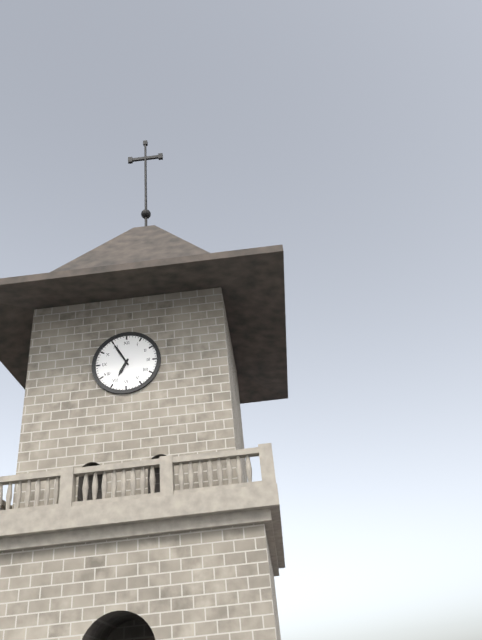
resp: 6,55
